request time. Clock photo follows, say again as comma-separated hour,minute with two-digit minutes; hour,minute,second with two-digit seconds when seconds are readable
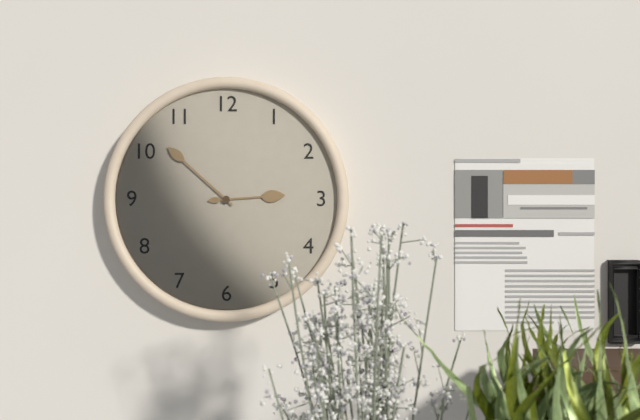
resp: 2,52
